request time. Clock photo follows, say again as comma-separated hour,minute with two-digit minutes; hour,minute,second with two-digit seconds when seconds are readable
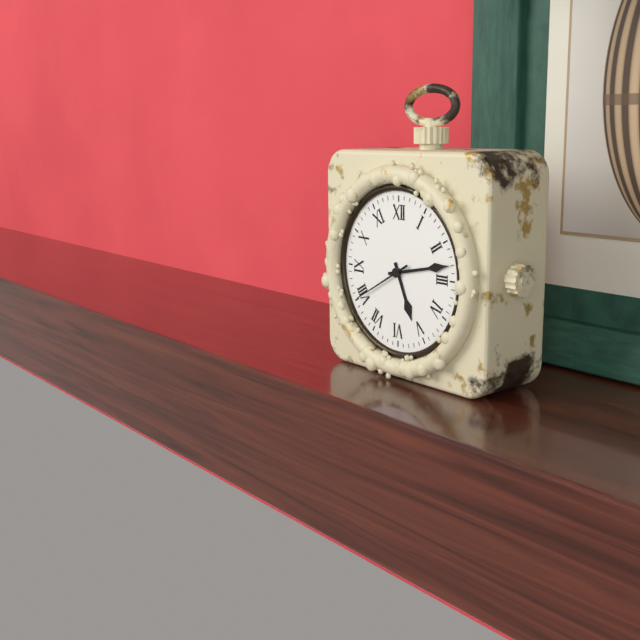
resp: 5,13,40
